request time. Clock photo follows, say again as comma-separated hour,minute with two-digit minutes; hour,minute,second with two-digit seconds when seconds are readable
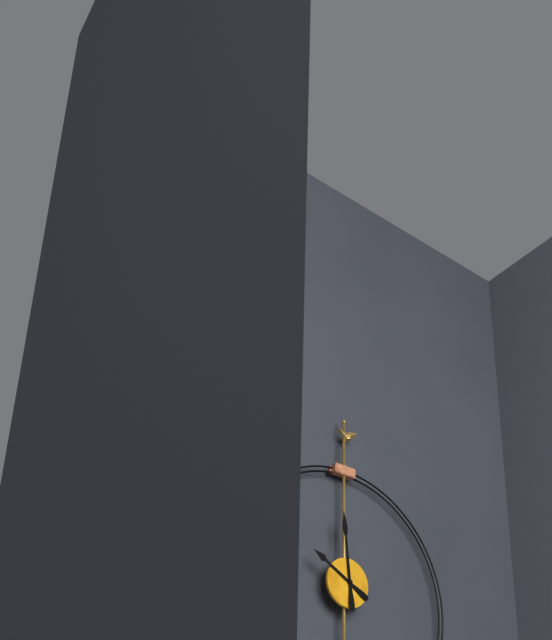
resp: 9,59
